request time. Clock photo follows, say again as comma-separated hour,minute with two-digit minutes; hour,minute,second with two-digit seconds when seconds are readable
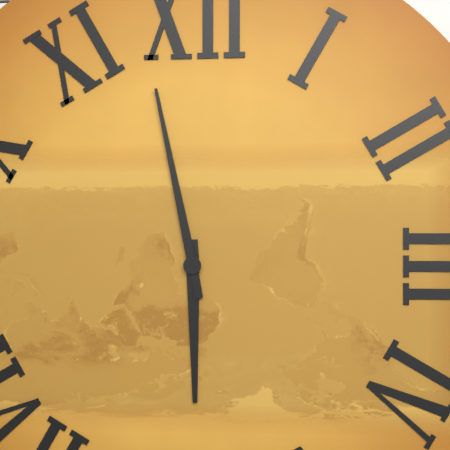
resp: 5,58
